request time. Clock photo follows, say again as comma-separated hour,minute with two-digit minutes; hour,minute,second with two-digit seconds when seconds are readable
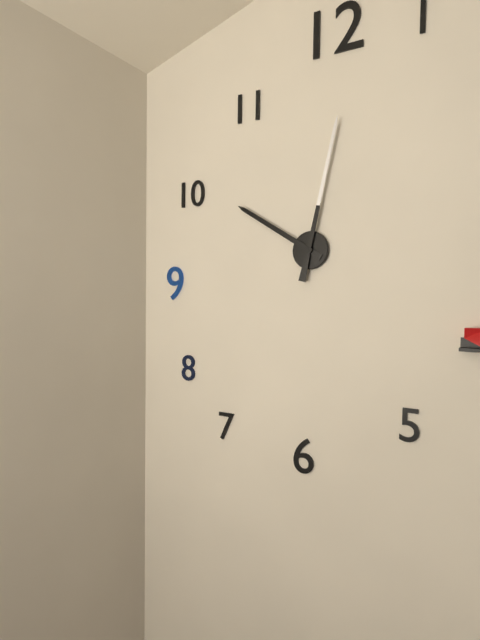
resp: 10,02
